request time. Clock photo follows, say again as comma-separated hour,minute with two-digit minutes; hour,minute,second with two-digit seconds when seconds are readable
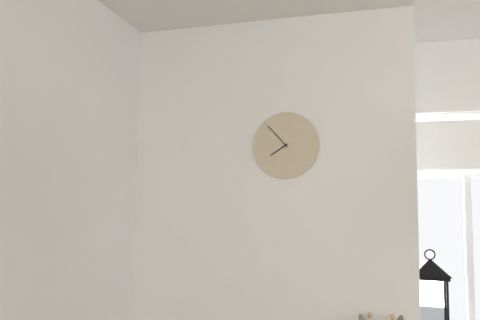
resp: 7,53
